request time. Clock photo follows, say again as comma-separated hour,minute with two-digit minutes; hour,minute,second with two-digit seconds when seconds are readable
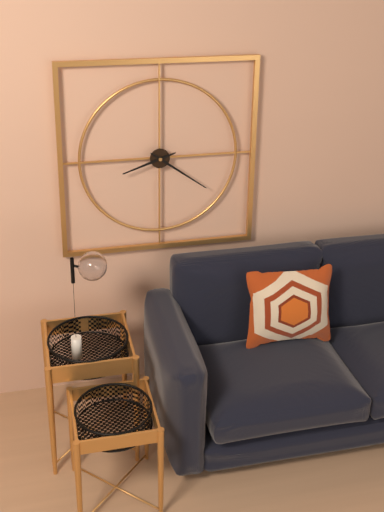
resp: 8,21
